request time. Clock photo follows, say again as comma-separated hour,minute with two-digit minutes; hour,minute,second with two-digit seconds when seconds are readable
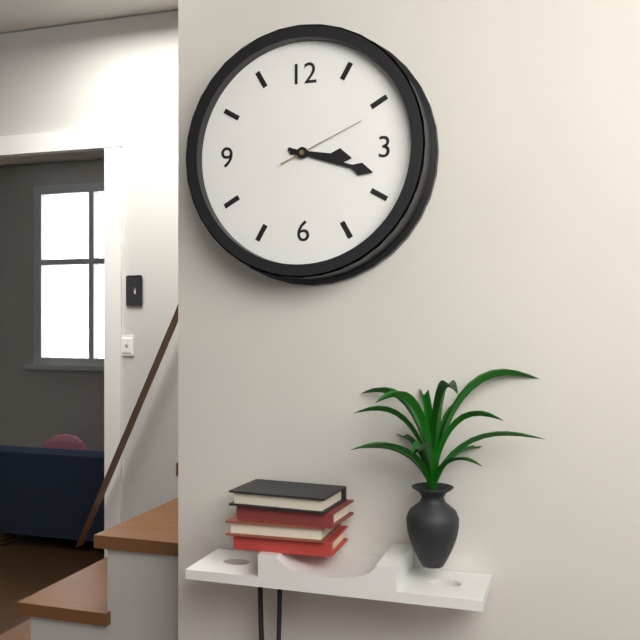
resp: 3,18,11
